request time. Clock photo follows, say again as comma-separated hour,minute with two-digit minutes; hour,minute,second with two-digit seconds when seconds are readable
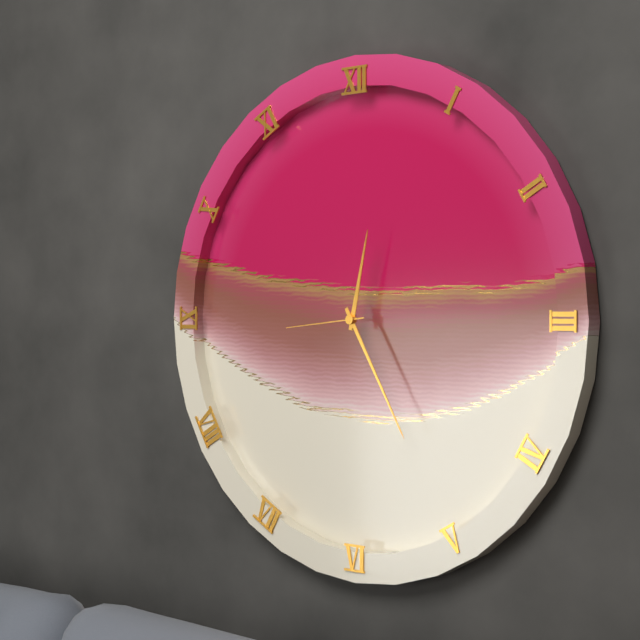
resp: 12,25,44
